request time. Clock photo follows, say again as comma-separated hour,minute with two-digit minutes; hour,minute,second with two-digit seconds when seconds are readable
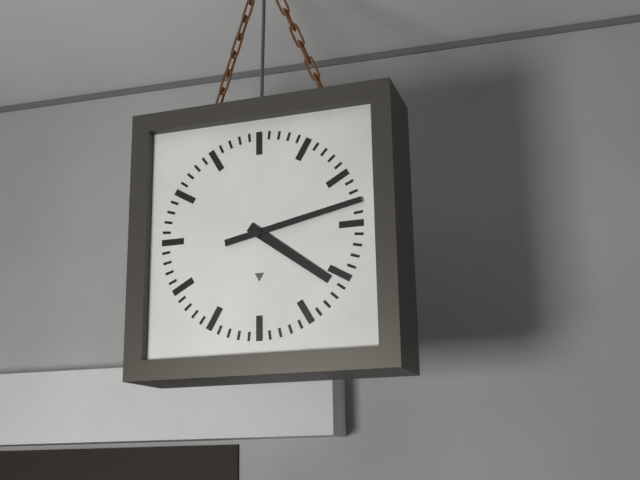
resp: 4,13
